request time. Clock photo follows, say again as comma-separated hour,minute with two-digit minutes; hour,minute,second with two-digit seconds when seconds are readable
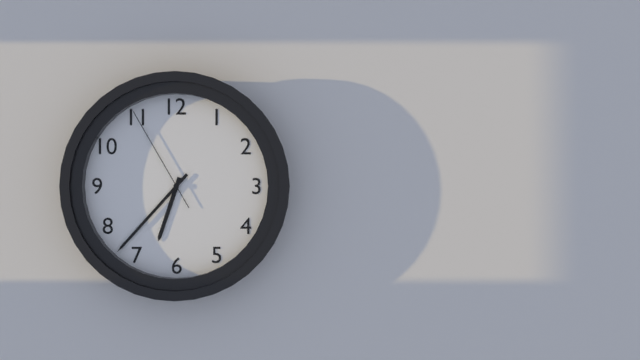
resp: 6,37,55
